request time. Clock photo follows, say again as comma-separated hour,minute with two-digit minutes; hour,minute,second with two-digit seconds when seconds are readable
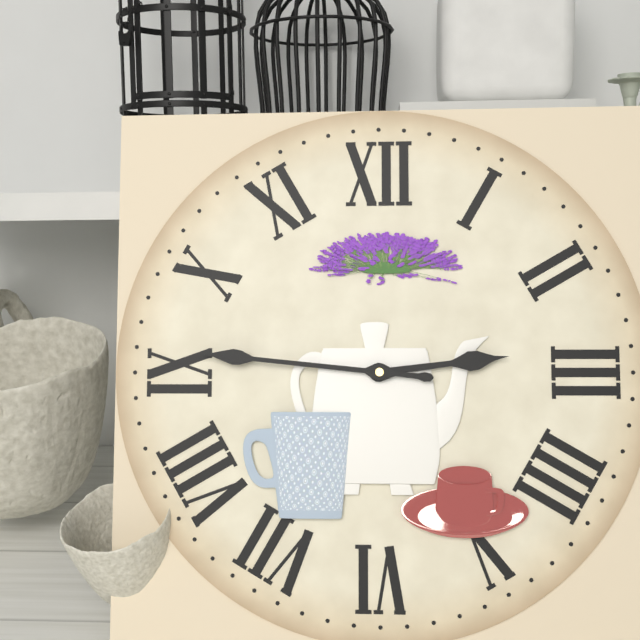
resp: 2,46
